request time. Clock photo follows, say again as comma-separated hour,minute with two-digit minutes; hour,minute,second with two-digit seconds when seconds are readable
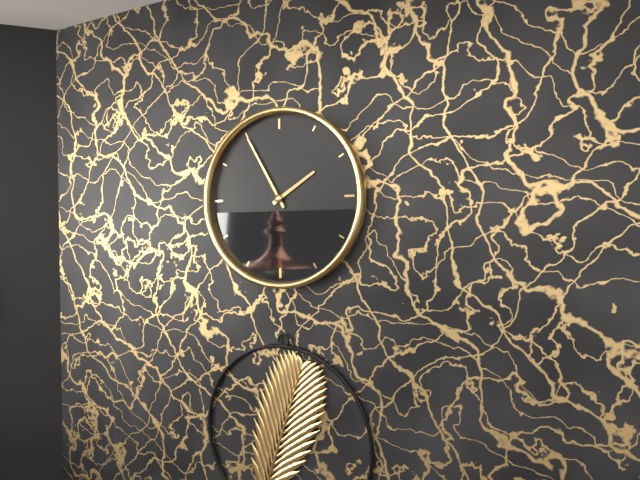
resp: 1,55
